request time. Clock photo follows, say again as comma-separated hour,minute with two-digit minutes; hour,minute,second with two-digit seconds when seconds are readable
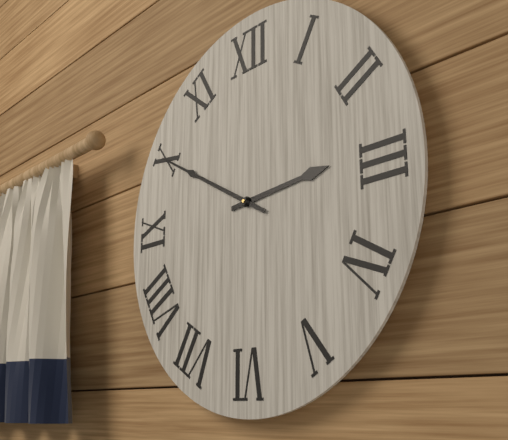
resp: 2,50
